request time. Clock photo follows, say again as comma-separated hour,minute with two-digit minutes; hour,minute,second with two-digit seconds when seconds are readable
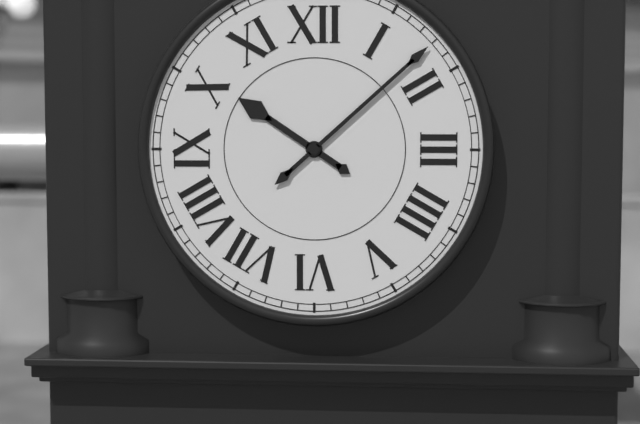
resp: 10,08
